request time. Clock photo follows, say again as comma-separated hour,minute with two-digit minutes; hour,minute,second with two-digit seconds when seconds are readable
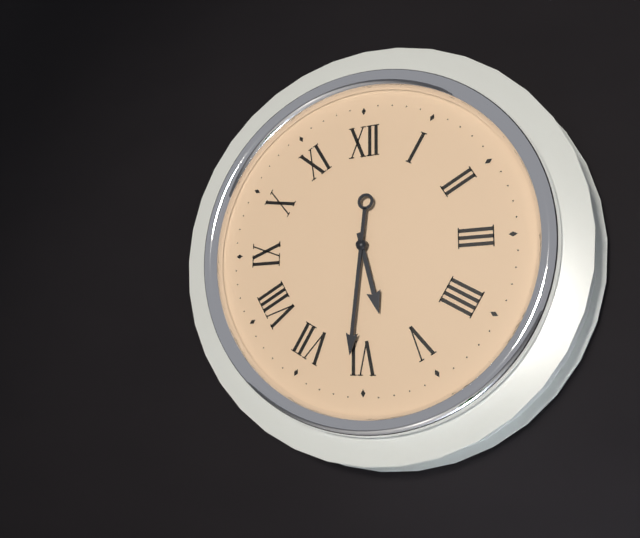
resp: 5,31
